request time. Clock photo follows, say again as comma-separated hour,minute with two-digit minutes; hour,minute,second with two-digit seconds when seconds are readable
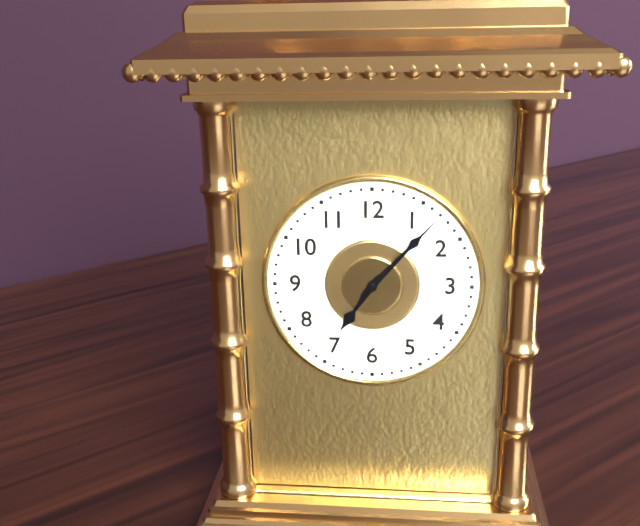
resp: 7,07
